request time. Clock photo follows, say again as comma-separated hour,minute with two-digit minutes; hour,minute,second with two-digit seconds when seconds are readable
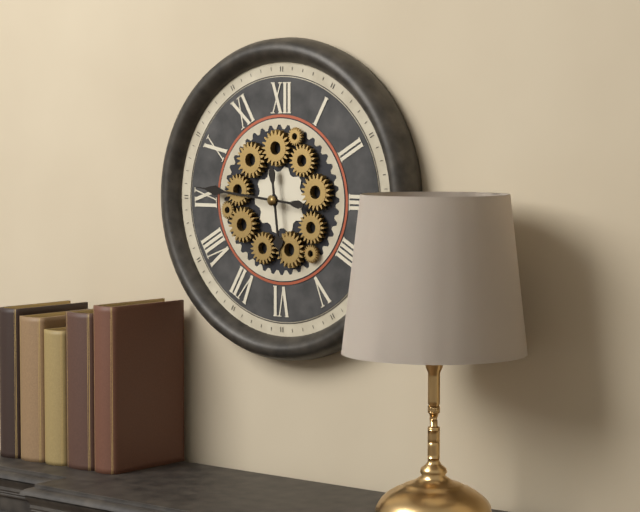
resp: 5,46
